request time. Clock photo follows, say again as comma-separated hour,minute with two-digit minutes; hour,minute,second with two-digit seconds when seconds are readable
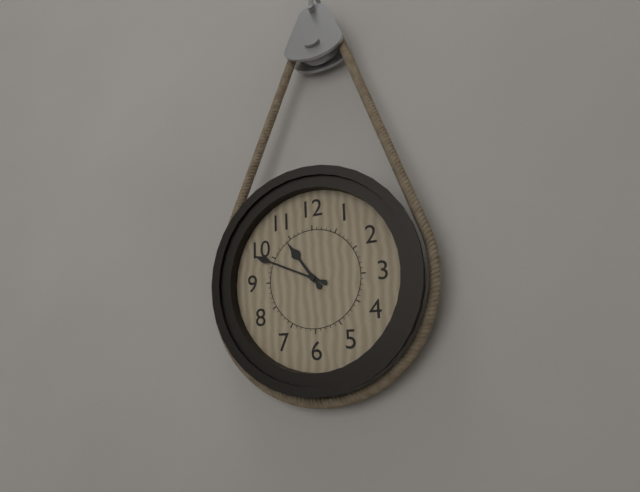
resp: 10,49
